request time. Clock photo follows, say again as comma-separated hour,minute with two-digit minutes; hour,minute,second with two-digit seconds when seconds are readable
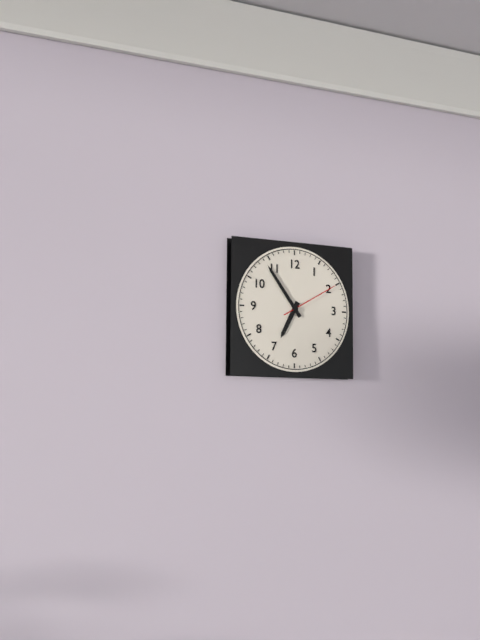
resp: 6,54,10
